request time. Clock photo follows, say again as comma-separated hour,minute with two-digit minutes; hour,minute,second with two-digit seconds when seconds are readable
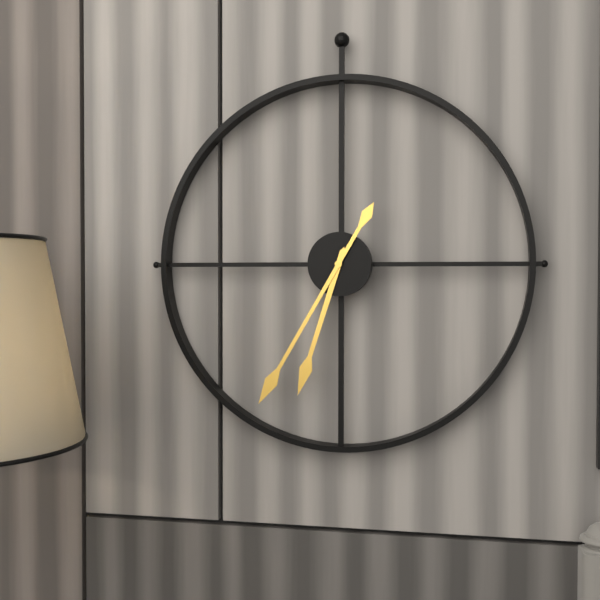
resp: 6,35
